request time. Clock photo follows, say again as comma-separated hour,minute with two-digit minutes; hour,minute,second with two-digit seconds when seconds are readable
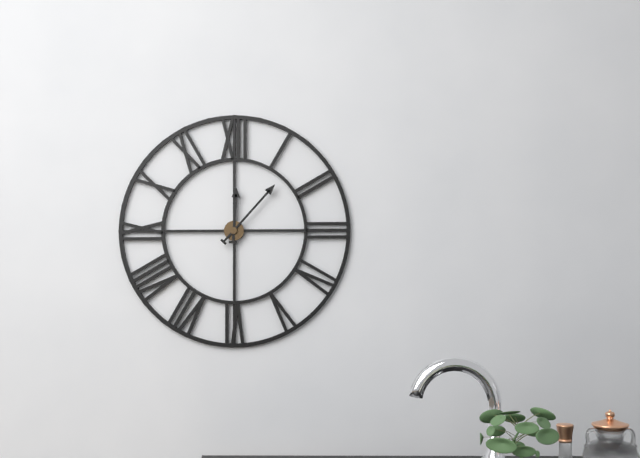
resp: 12,07
